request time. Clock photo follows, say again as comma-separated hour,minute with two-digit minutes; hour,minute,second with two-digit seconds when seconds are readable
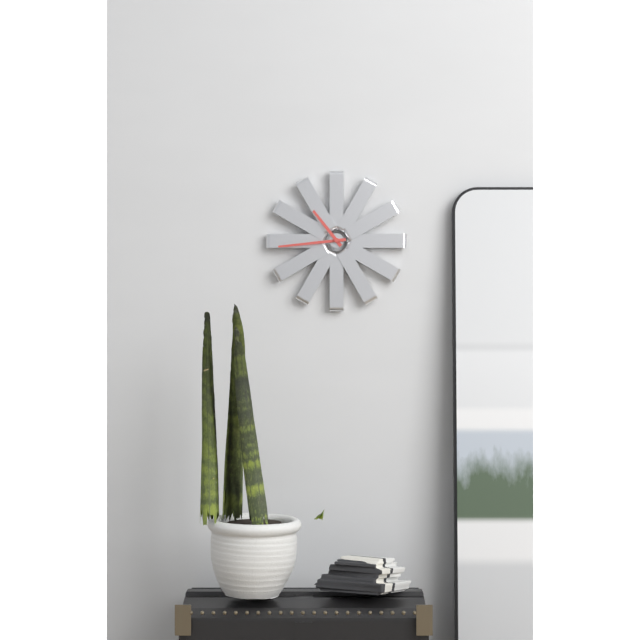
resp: 10,44
